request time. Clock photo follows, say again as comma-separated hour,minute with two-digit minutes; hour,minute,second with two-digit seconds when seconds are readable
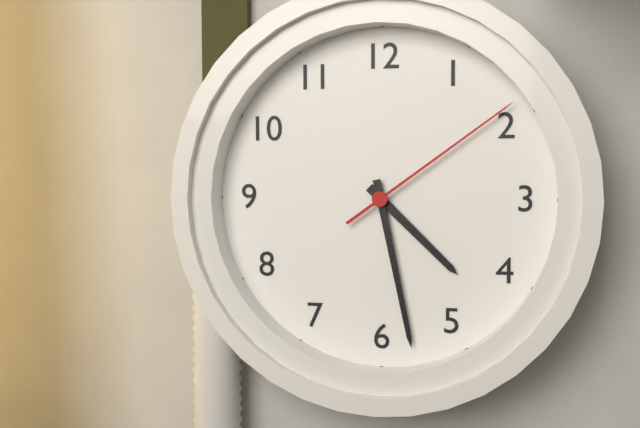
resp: 4,28,09
